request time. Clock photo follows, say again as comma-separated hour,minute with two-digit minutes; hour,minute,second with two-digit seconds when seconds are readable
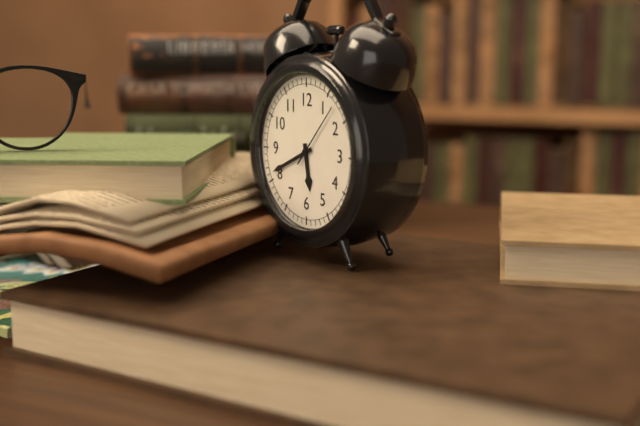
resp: 5,41,07
